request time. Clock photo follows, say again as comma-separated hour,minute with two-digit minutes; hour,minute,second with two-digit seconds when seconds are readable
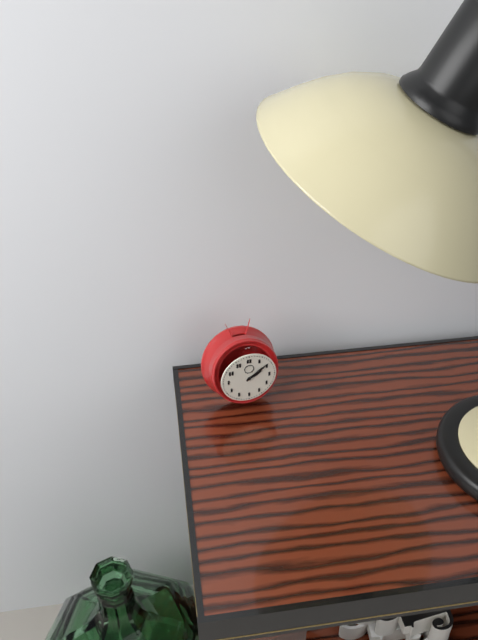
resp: 2,09
